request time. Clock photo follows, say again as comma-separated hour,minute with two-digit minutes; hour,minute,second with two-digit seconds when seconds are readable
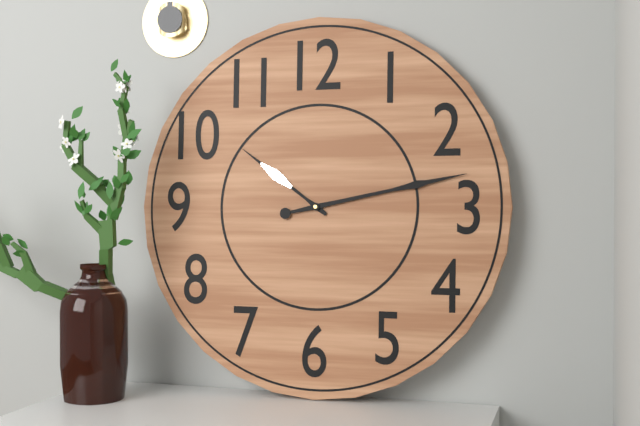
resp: 10,13
